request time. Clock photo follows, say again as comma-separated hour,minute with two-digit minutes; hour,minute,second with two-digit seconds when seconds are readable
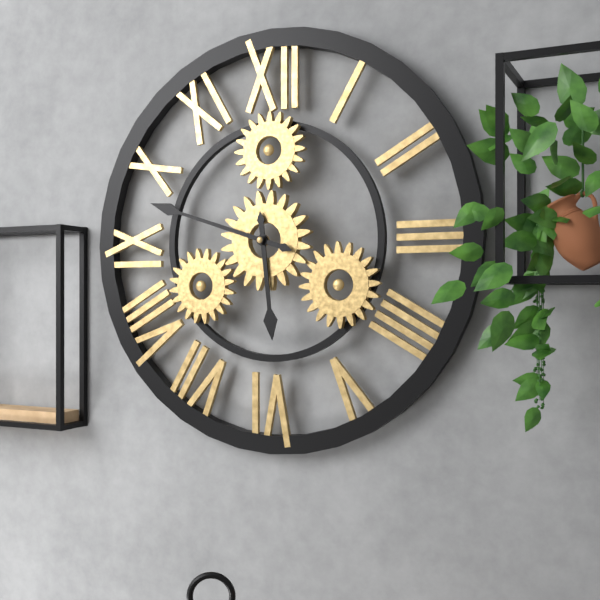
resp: 5,48
